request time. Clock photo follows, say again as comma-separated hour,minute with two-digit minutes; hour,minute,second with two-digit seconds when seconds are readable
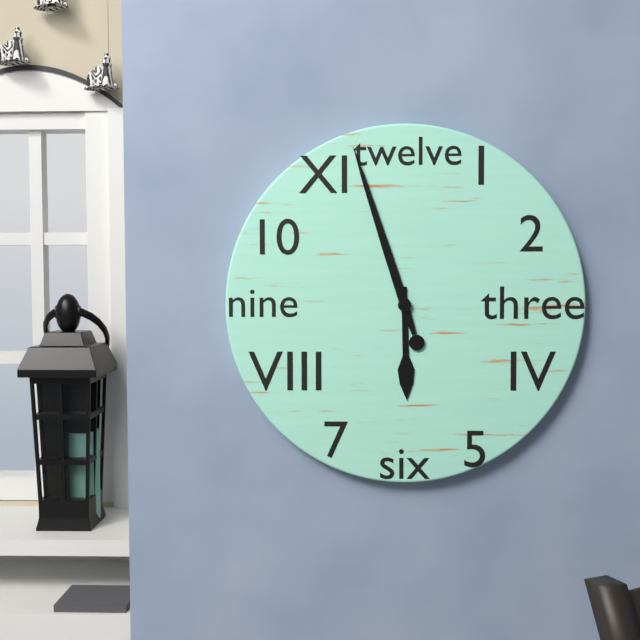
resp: 5,57
